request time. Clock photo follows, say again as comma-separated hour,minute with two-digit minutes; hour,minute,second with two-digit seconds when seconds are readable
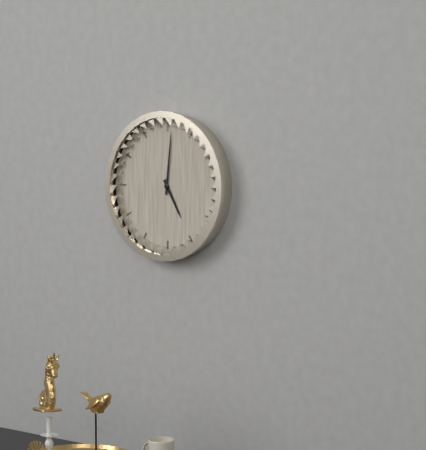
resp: 5,01
